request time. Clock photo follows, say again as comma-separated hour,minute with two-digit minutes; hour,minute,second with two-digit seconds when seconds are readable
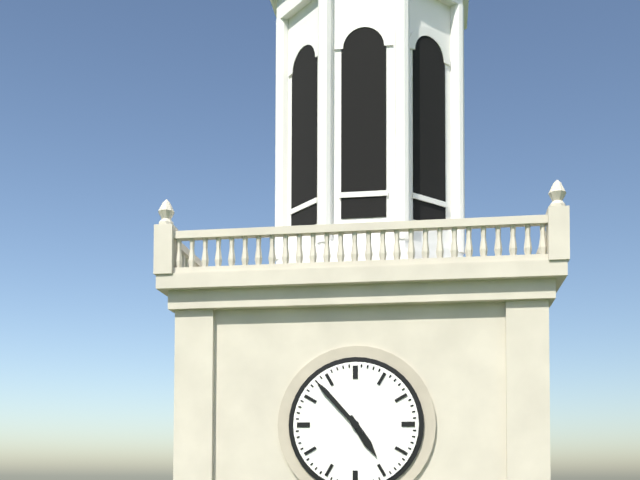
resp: 4,53
